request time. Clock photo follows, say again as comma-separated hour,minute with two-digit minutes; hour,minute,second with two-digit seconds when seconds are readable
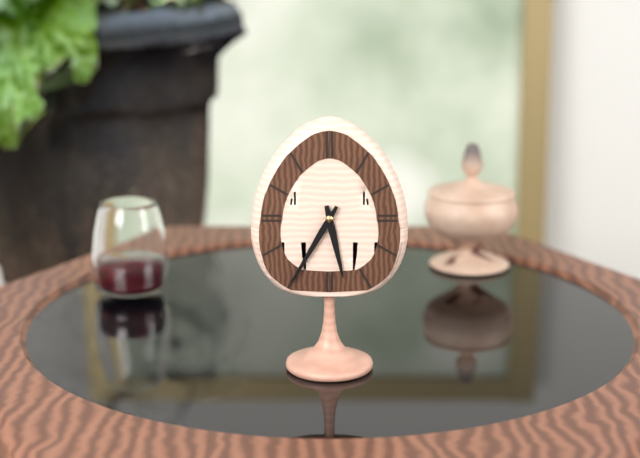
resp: 5,35
